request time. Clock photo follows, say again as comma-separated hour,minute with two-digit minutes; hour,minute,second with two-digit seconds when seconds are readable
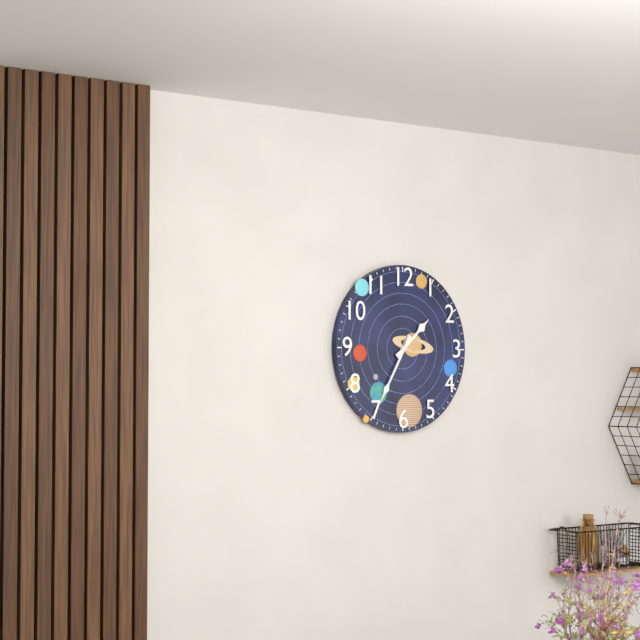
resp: 1,35
